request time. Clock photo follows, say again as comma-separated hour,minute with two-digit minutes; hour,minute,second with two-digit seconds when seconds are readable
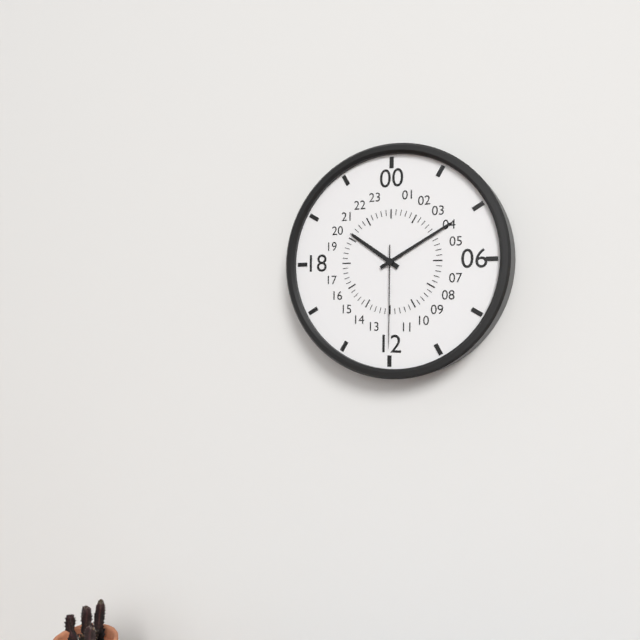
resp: 10,10,30
